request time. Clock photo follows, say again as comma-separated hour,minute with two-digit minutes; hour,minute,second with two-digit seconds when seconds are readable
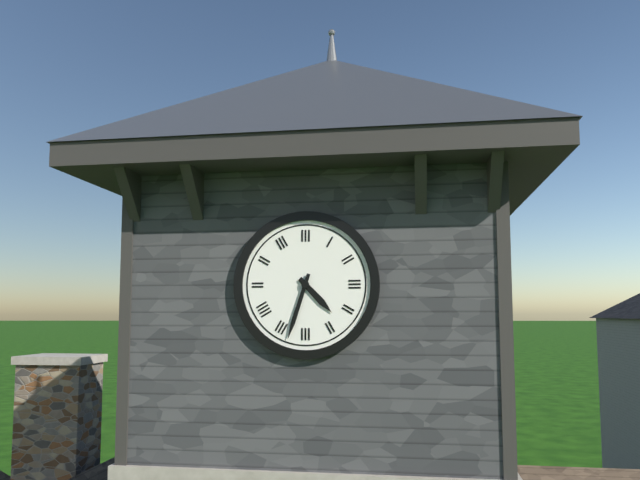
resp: 4,33
